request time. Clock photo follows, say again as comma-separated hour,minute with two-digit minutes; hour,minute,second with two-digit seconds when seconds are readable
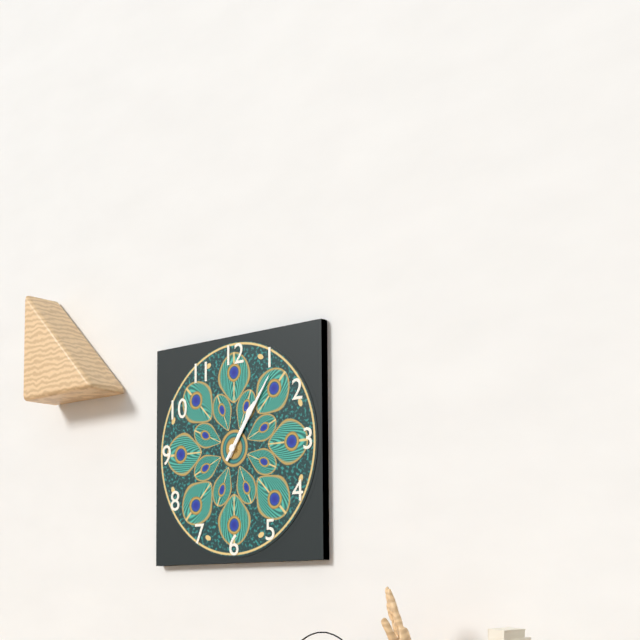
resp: 1,06
